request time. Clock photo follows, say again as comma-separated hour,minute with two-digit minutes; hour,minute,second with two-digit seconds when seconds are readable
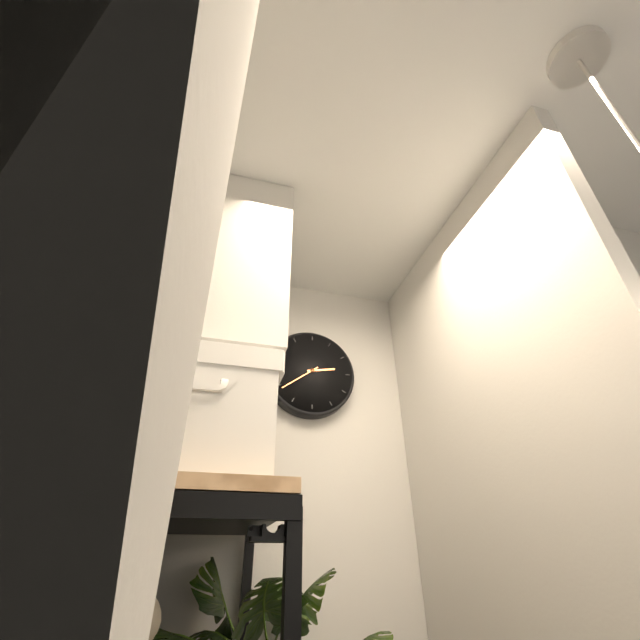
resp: 2,39
